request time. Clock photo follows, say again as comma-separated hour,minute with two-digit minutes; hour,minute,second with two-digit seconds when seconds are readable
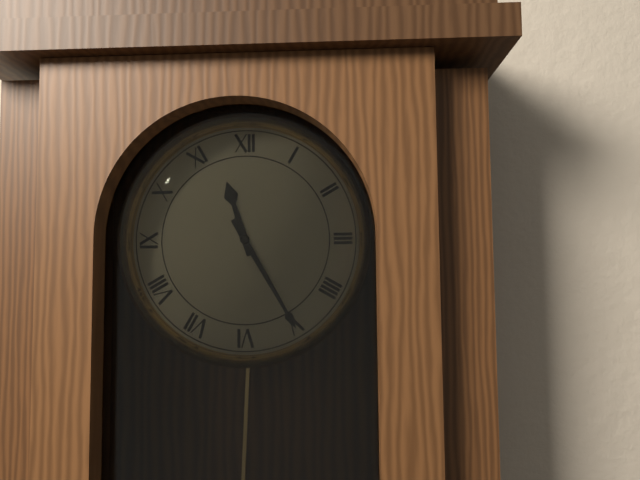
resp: 11,25
